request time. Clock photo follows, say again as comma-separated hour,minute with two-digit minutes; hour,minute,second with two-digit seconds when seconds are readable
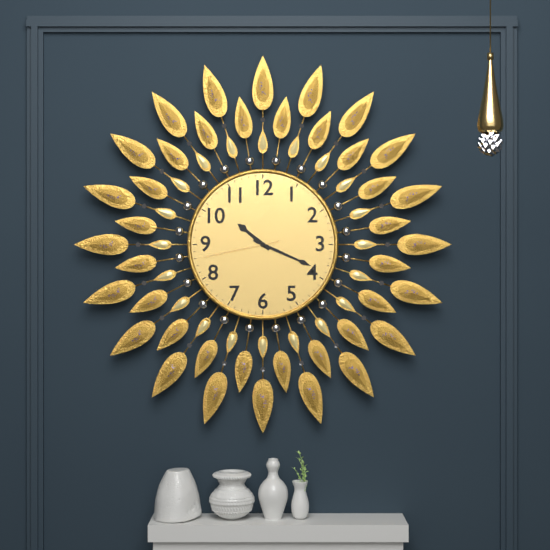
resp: 10,19,43
